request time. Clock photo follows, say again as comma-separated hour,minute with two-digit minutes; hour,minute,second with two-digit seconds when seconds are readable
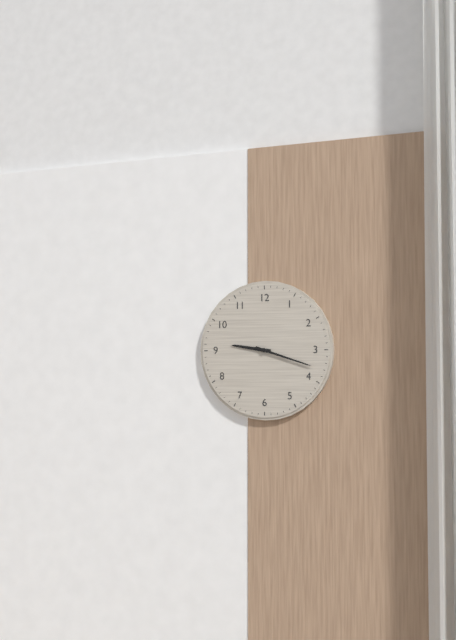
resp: 9,18
